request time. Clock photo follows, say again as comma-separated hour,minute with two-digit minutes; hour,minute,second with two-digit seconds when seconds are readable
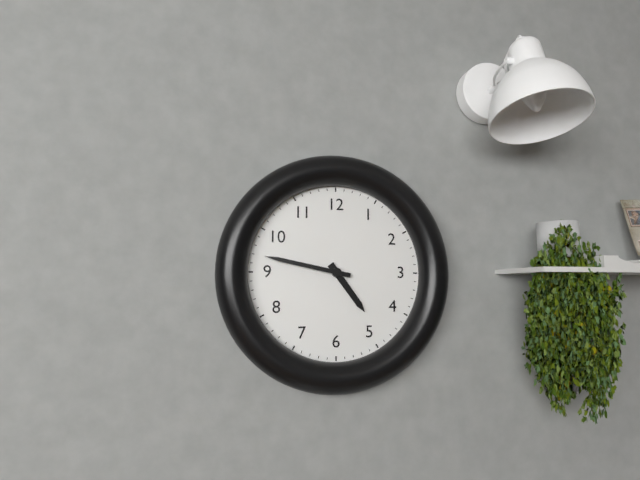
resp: 4,47
